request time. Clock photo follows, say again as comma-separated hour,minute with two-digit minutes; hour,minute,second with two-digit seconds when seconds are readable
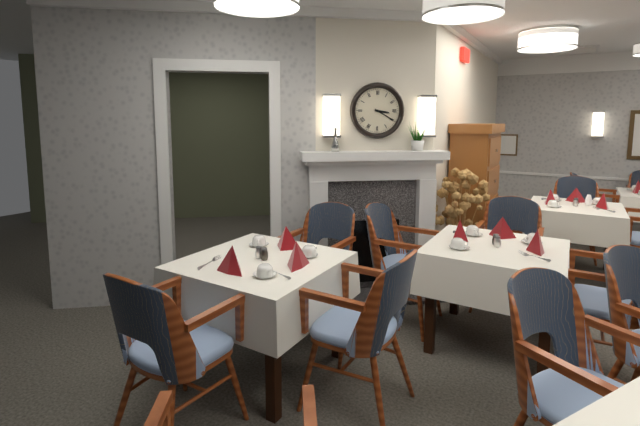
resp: 3,20
